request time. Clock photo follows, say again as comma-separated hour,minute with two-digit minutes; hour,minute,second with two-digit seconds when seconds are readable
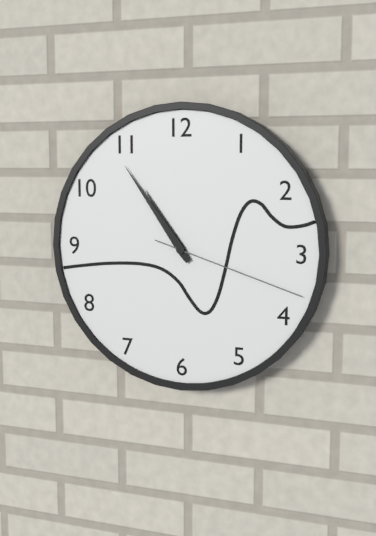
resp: 10,54,18
